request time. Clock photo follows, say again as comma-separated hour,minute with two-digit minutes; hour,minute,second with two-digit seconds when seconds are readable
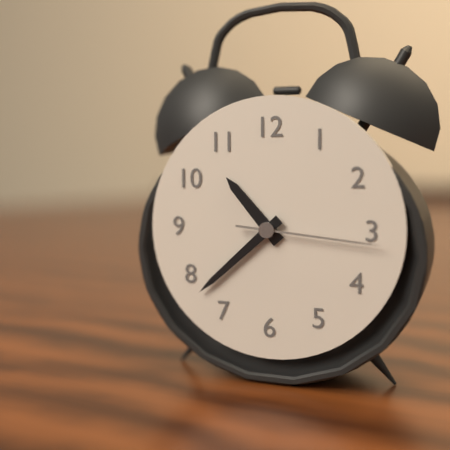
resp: 10,38,16
